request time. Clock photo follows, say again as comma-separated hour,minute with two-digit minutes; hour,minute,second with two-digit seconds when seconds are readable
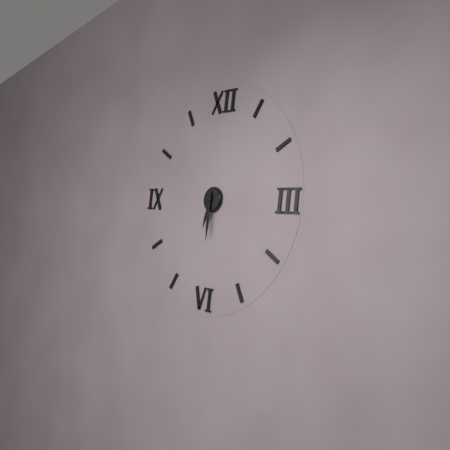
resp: 6,30
